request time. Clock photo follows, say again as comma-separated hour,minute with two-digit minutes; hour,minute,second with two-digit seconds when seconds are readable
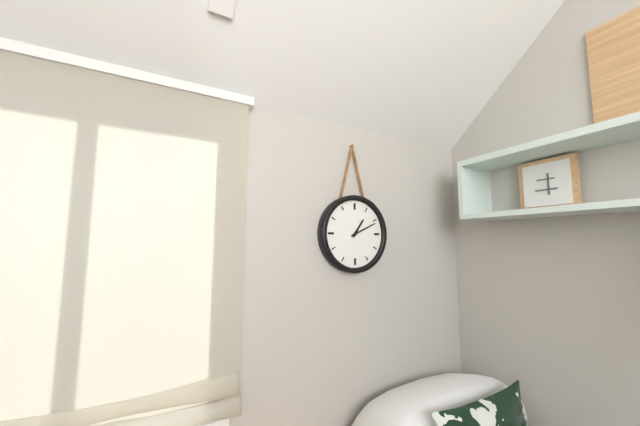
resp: 1,11
